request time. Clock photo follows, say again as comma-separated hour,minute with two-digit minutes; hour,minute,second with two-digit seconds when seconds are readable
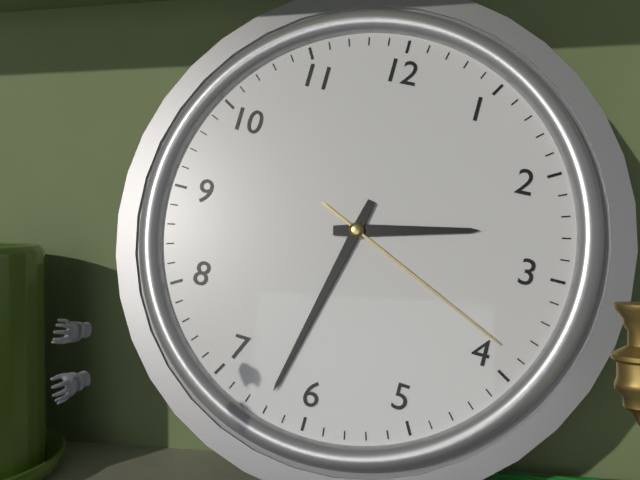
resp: 2,32,19
